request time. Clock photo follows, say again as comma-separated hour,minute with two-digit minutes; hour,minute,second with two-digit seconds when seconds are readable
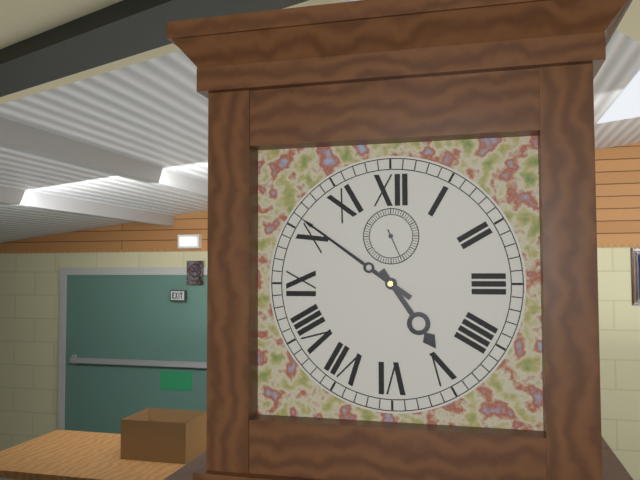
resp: 4,51
